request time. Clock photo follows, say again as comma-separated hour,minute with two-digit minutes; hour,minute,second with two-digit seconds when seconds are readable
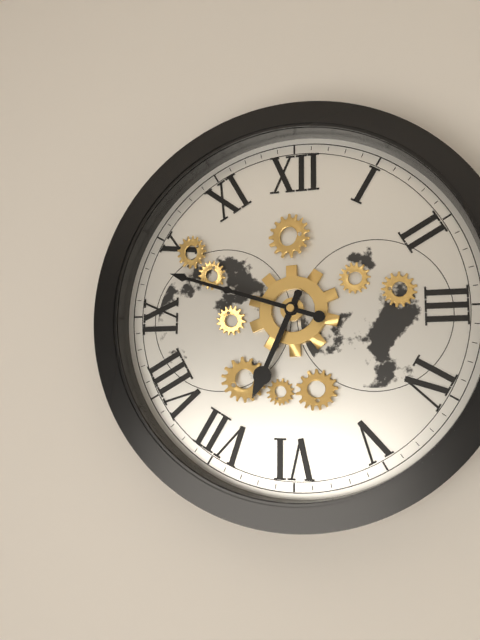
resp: 6,48
